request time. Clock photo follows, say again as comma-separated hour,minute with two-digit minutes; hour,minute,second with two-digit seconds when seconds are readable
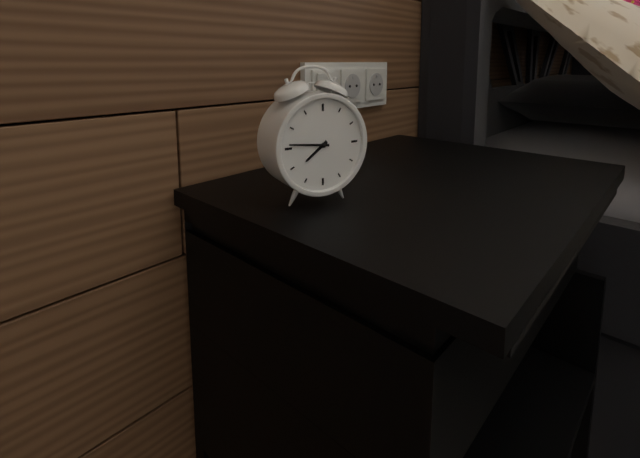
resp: 7,46
